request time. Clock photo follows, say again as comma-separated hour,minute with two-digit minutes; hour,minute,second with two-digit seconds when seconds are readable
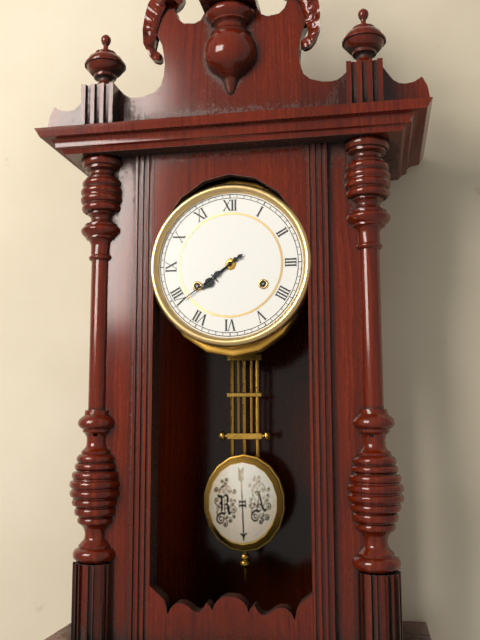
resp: 7,39
